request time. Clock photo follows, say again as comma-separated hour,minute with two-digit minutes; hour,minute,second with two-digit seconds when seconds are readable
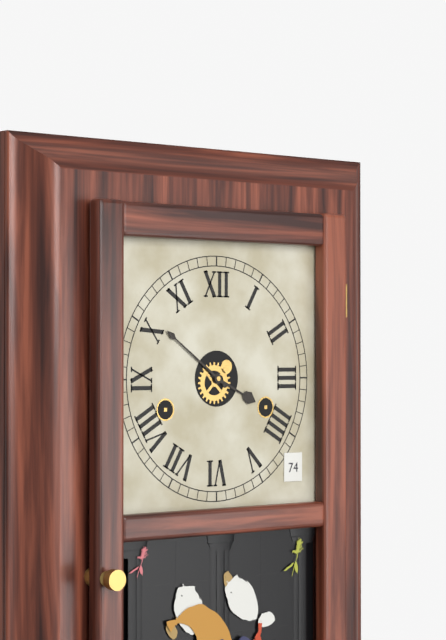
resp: 3,51
